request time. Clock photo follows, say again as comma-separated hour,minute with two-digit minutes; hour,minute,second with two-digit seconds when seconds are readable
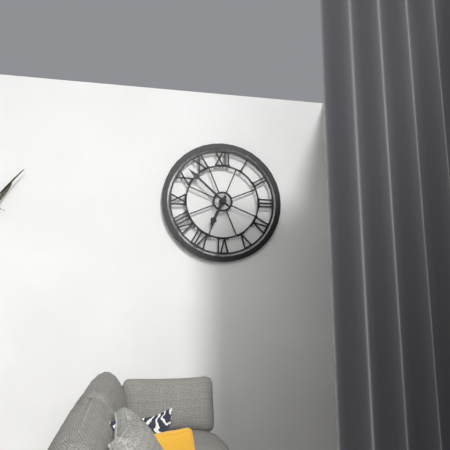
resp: 6,52
